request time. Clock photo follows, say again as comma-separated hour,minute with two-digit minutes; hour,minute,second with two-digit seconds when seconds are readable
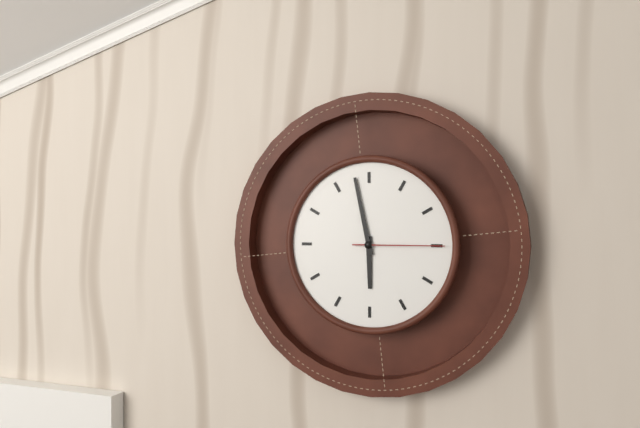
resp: 5,58,15
